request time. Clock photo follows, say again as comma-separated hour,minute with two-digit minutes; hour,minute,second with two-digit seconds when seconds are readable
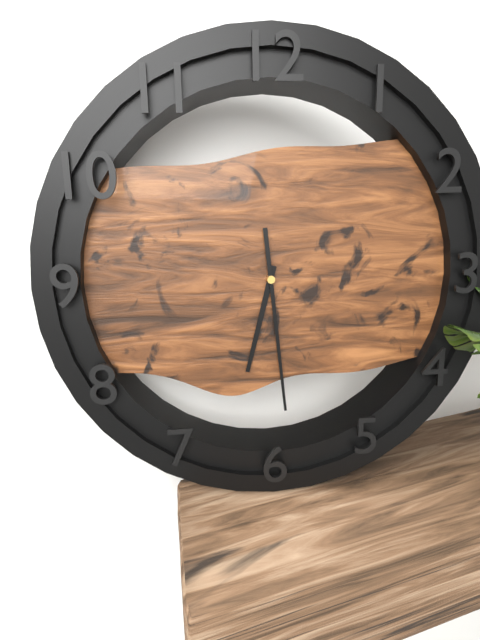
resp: 6,29
